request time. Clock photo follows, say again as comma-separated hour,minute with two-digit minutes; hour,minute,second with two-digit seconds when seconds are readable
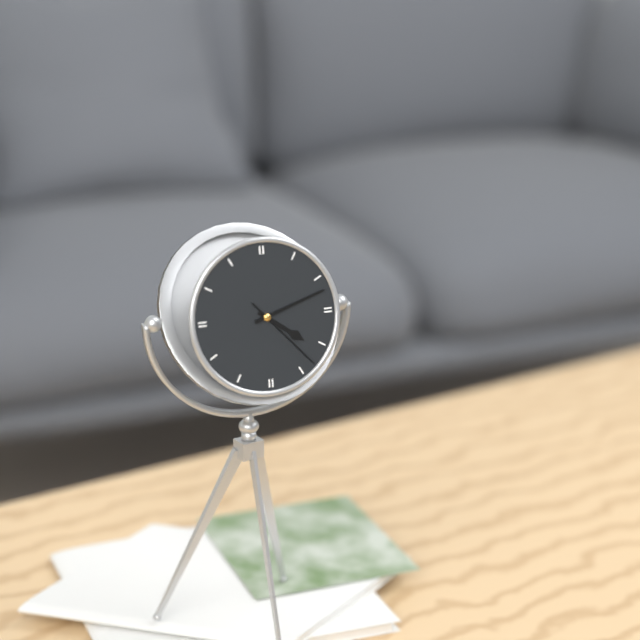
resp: 4,12,23
